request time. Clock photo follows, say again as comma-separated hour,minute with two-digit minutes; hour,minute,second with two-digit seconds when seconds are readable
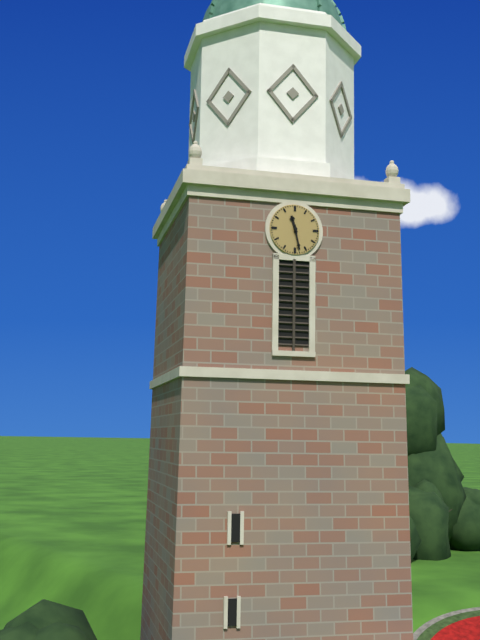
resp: 11,28
